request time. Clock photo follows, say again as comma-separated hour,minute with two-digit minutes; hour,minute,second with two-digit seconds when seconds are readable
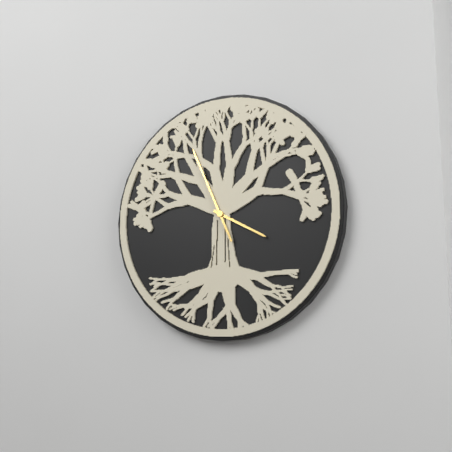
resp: 3,56
